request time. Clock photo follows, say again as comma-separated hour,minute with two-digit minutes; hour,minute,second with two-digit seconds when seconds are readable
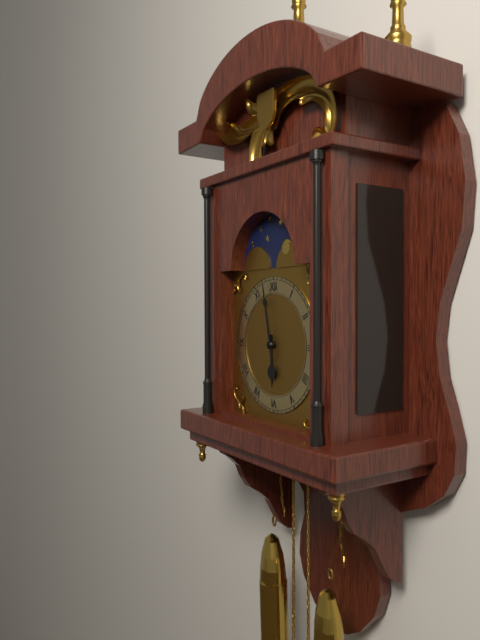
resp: 5,58
